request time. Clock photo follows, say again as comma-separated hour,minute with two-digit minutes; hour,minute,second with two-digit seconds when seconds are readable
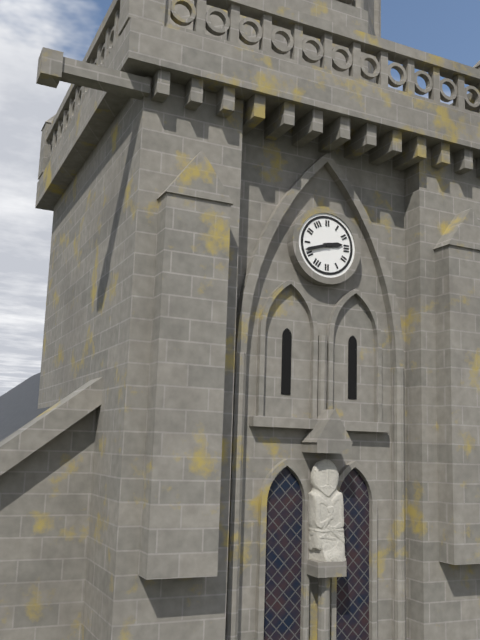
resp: 2,42
